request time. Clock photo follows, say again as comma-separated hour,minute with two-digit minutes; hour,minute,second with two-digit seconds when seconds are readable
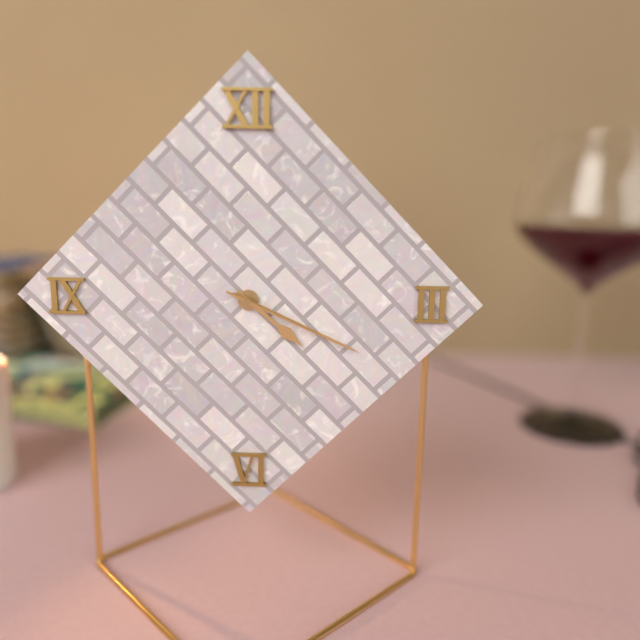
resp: 4,19,19
